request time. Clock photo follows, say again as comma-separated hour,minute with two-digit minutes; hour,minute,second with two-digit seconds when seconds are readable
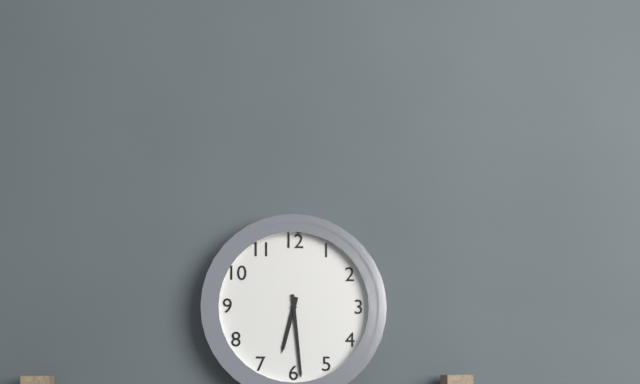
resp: 6,29
